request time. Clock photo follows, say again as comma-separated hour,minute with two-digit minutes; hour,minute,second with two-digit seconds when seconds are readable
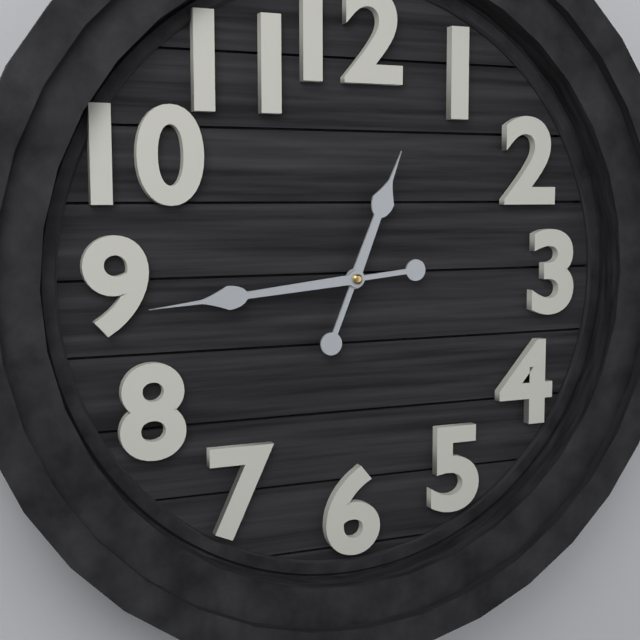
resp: 12,44
